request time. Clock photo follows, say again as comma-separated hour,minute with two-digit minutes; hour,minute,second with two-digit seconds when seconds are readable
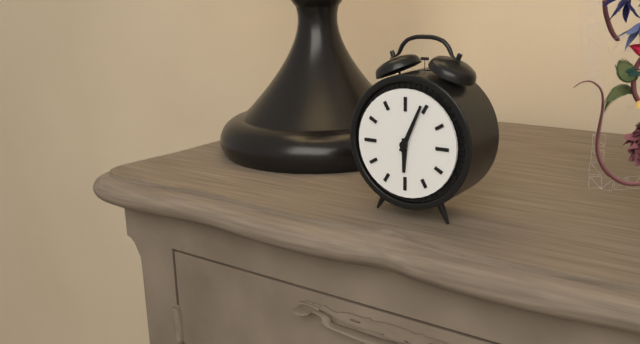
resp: 6,04
